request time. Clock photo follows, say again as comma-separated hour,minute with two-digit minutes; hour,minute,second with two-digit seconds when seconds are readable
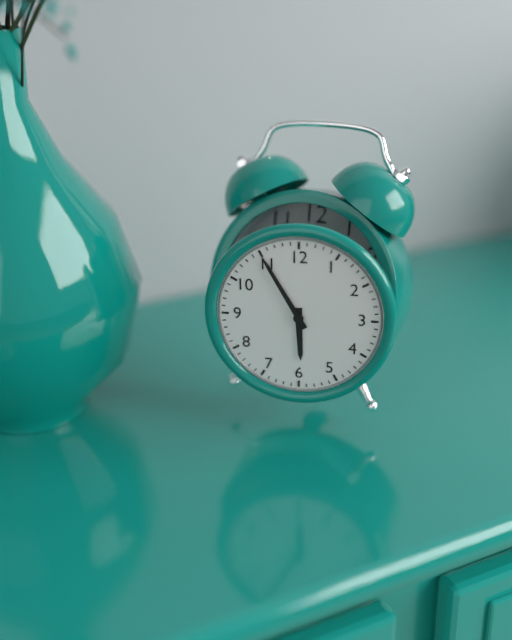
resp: 5,55
